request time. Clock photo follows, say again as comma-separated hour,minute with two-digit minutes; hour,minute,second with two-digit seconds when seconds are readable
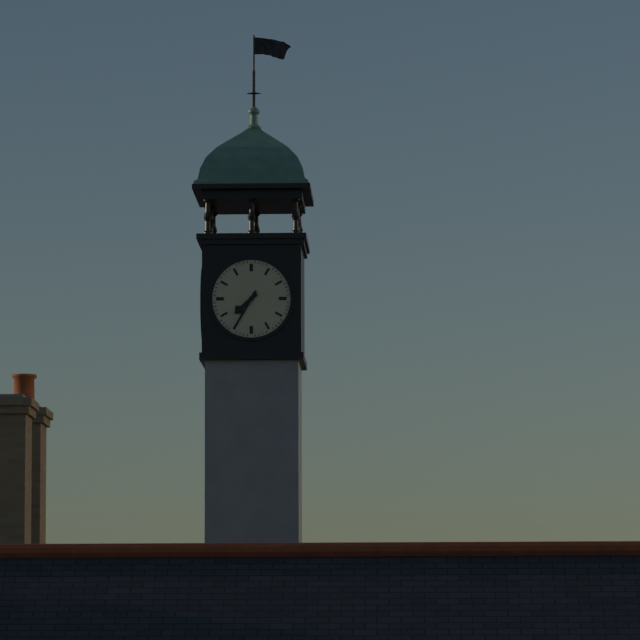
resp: 7,35
